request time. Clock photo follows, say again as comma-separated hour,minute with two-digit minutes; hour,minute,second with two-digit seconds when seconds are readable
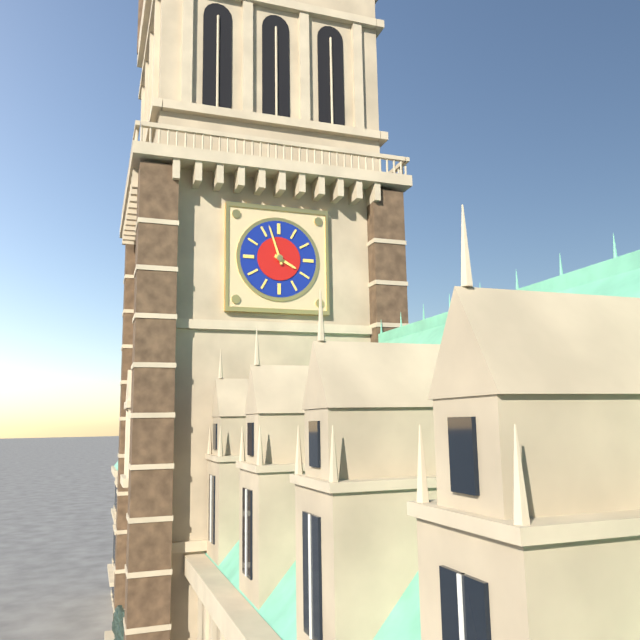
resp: 3,57
